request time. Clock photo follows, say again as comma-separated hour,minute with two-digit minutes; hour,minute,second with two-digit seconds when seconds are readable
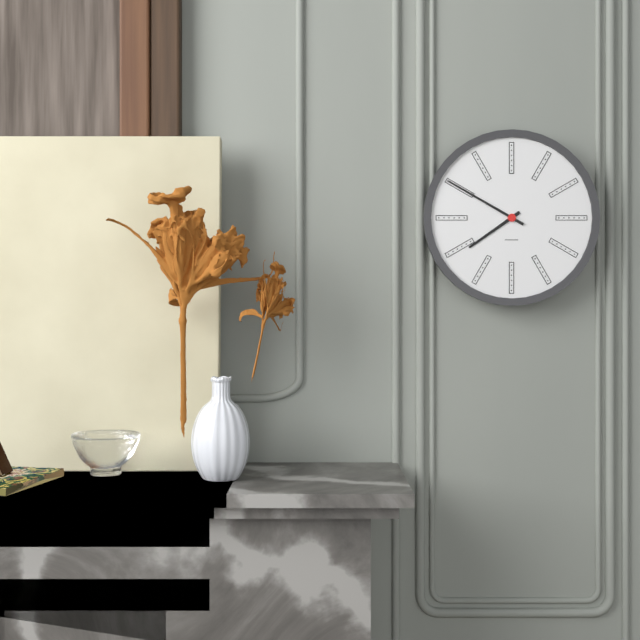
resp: 7,50
